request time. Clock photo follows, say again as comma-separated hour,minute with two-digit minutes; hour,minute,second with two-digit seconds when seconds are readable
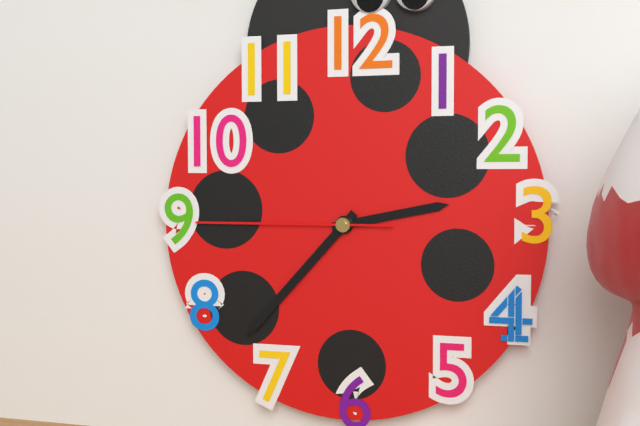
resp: 2,37,45
